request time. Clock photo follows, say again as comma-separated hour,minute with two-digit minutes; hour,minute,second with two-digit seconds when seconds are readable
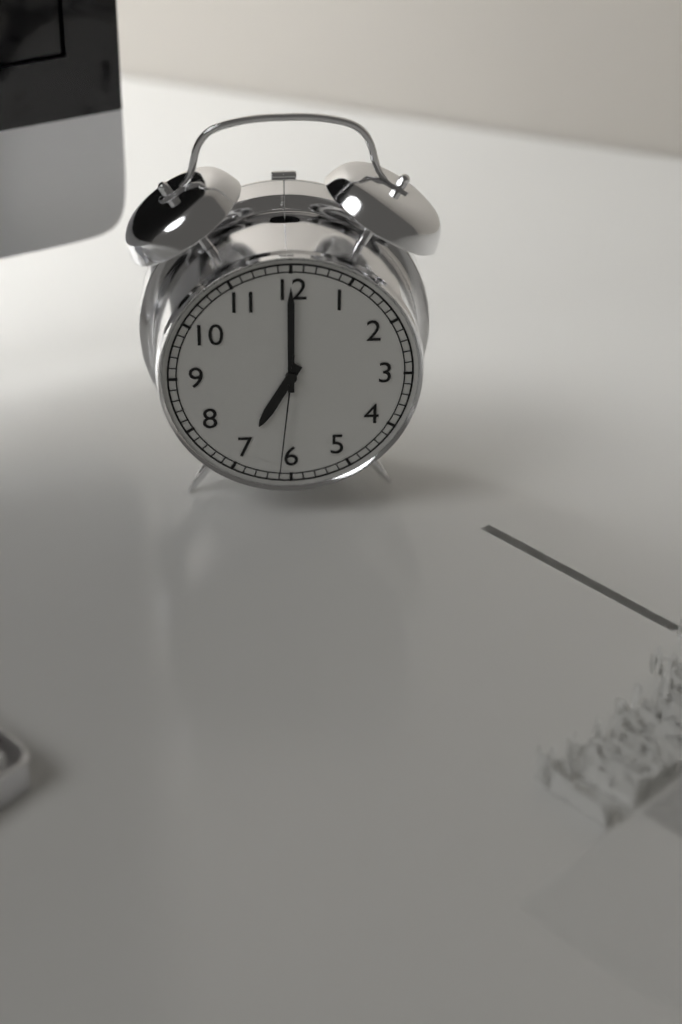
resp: 7,00,31
